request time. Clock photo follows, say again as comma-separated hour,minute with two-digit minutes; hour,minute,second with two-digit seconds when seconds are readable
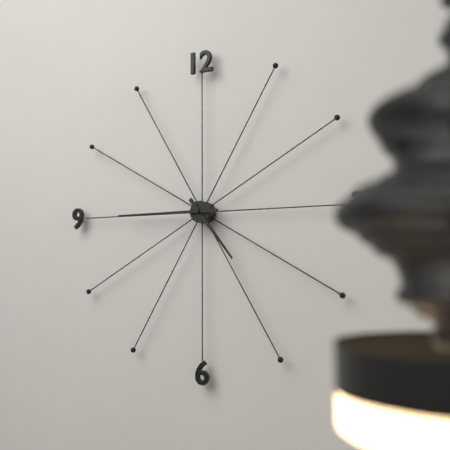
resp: 4,45
